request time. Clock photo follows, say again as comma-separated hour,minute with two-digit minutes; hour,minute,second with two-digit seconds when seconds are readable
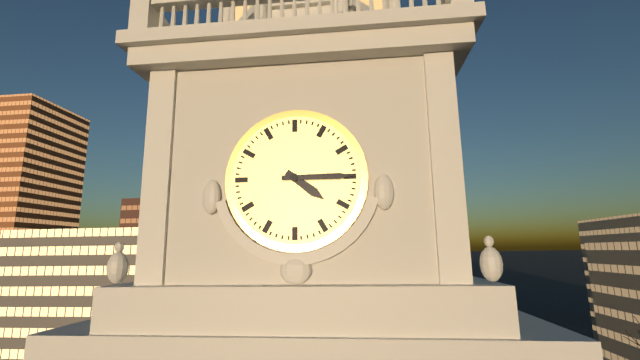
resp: 4,15
